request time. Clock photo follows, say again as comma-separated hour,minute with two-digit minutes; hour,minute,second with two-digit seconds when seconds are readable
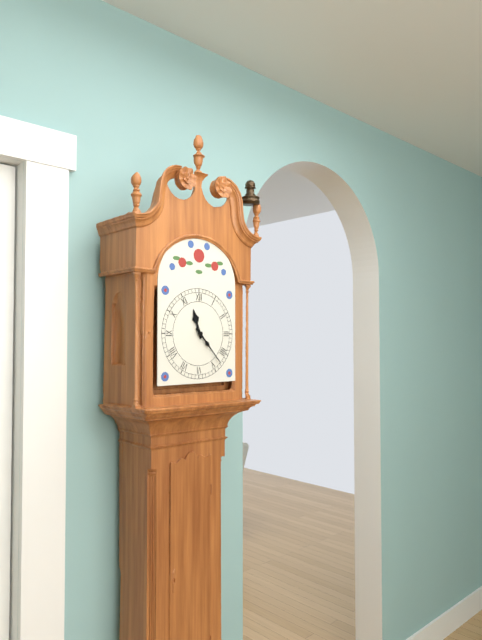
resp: 11,23
